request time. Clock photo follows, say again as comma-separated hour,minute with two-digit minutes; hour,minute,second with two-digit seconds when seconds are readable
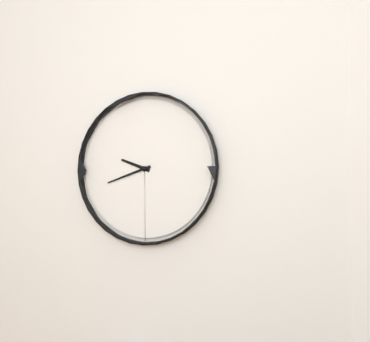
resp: 9,42
